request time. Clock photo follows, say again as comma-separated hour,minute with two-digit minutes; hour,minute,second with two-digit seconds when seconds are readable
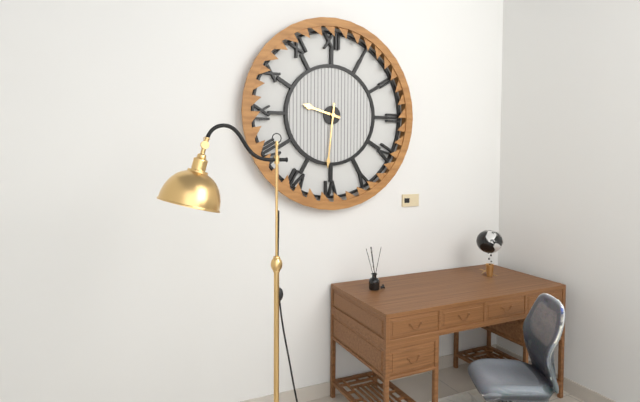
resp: 9,31
